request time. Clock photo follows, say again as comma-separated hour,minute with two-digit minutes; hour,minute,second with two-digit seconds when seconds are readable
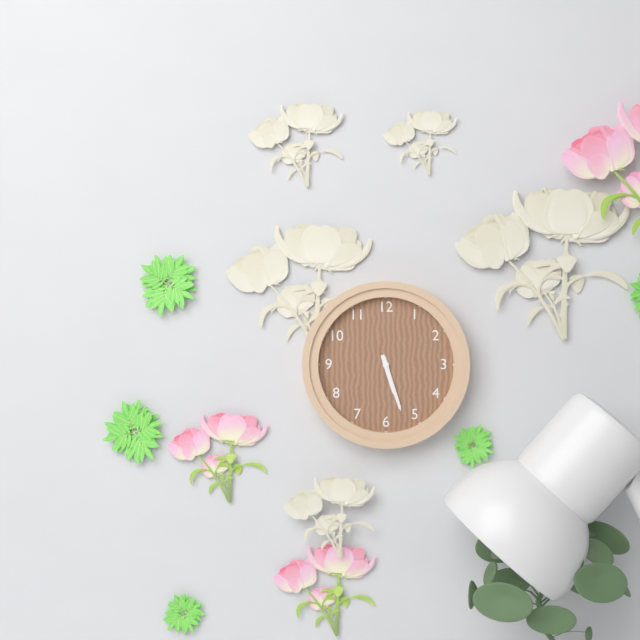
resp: 5,27
